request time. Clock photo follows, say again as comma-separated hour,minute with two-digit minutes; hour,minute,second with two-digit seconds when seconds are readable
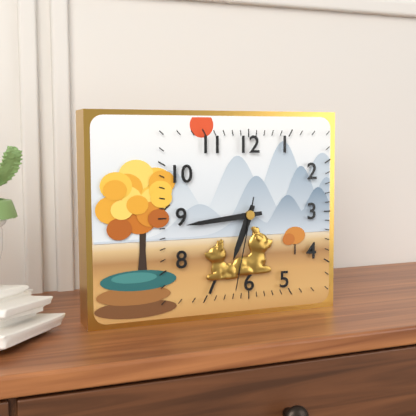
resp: 6,44,32
